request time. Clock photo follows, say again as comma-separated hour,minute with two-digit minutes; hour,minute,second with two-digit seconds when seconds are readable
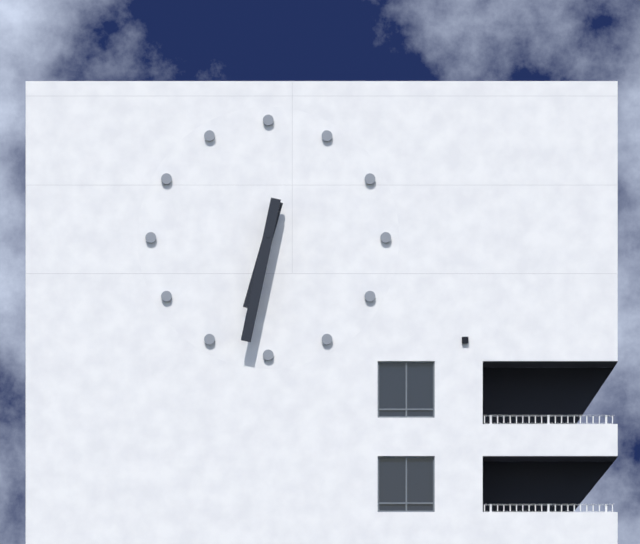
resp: 6,32
